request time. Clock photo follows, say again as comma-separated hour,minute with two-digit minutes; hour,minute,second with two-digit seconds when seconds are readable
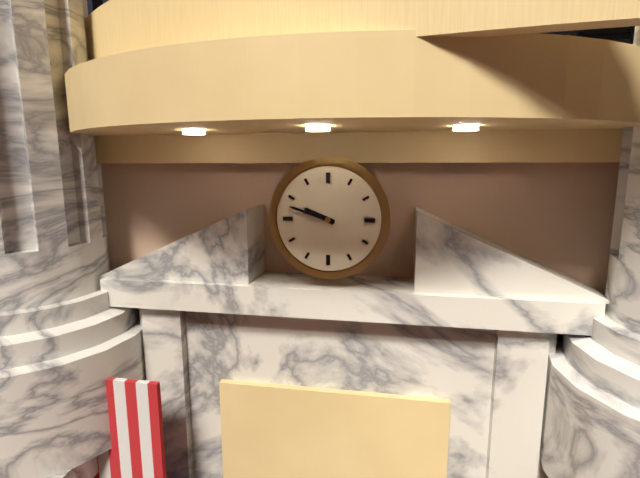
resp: 9,48
